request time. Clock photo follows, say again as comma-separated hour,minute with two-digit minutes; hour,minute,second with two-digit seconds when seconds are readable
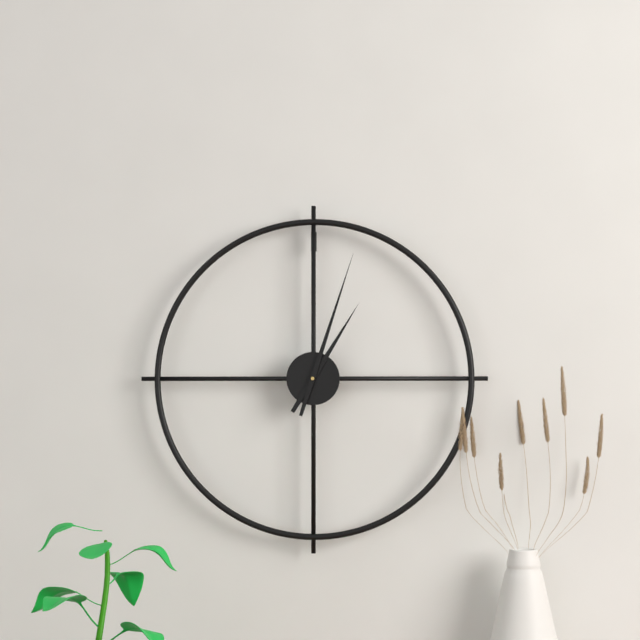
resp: 1,03
